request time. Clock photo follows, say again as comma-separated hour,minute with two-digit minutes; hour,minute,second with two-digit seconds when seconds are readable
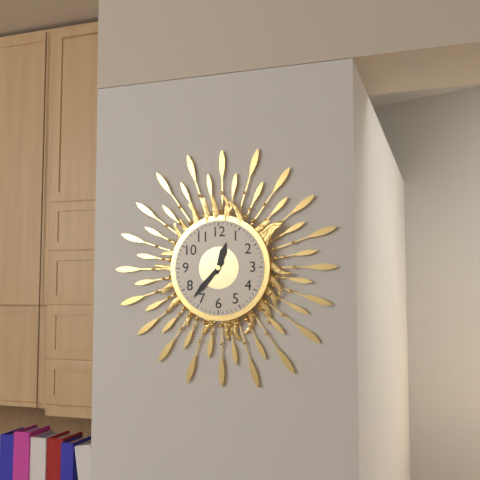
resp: 12,37
